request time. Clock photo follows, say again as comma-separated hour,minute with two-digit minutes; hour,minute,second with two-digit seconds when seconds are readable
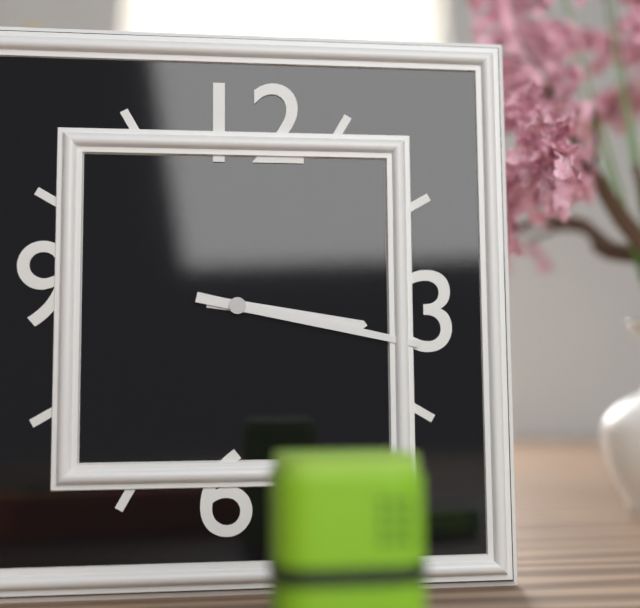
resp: 3,17
